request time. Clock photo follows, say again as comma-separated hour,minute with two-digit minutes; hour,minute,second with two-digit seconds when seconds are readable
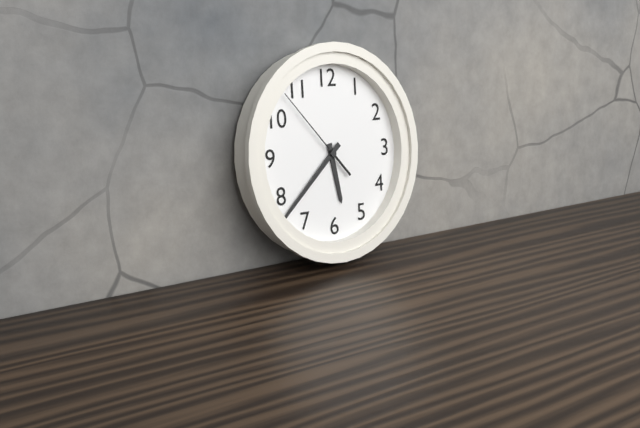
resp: 5,38,53
